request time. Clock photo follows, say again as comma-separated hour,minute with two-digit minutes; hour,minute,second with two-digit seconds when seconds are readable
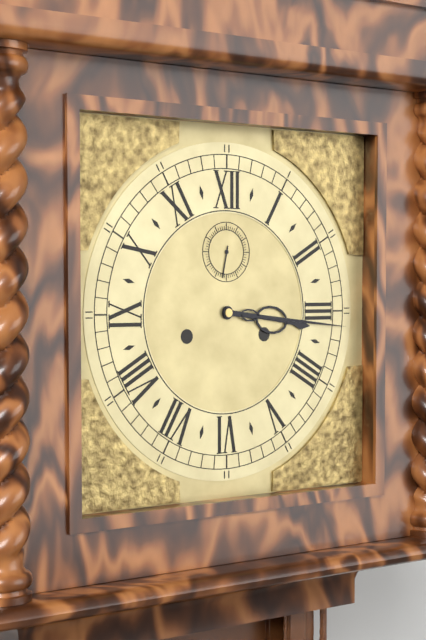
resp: 3,16
